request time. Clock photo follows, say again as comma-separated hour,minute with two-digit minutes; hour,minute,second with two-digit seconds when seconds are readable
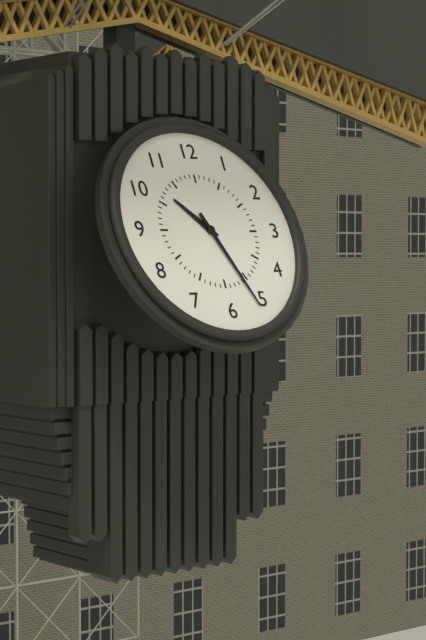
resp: 10,26
